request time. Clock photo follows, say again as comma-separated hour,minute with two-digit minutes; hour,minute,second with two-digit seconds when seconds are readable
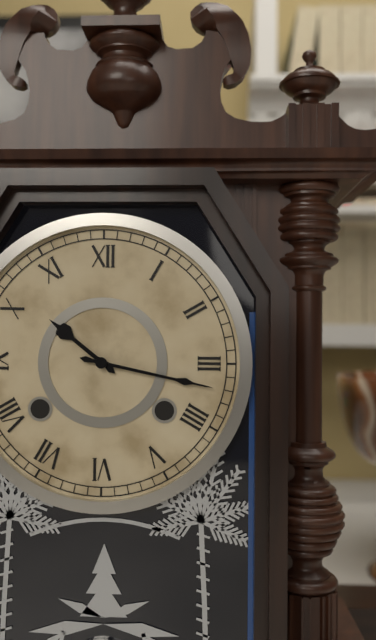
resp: 10,17
